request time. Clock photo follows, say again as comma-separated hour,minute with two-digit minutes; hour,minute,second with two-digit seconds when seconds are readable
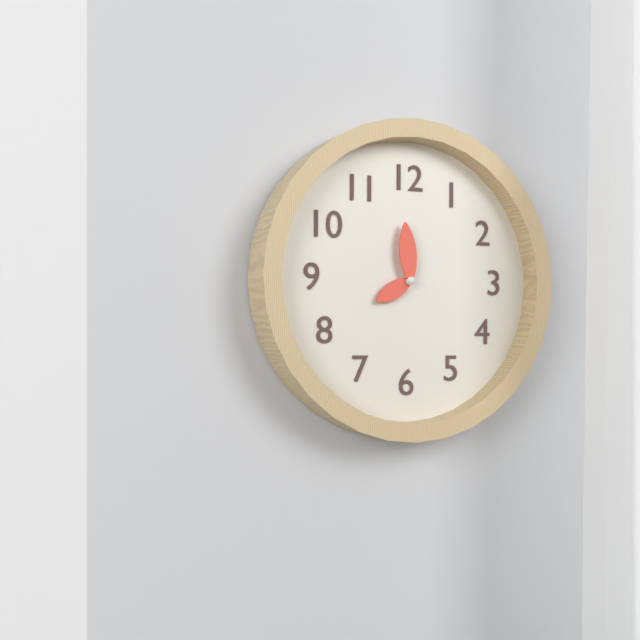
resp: 7,59
